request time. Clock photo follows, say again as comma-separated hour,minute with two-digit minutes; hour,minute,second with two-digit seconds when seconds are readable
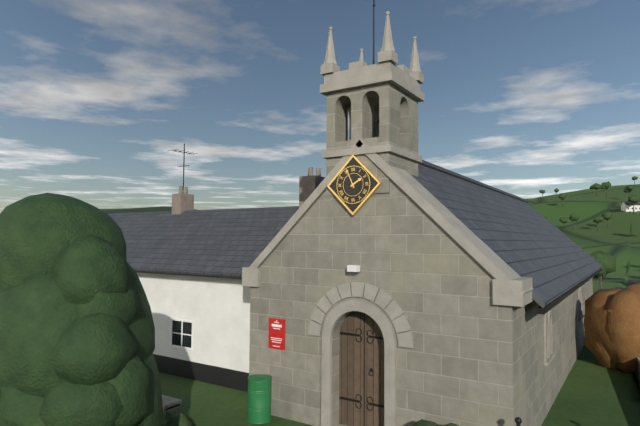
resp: 1,56
